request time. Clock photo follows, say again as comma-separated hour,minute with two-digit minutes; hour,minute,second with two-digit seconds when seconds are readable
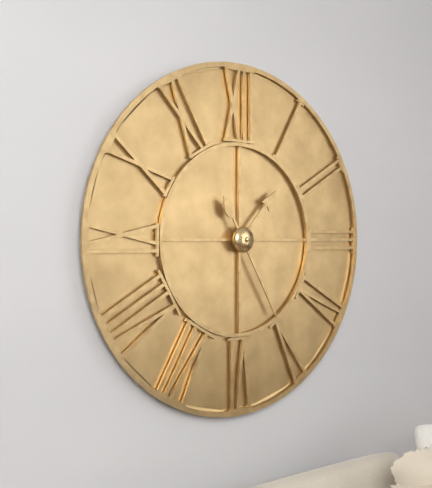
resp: 1,25
